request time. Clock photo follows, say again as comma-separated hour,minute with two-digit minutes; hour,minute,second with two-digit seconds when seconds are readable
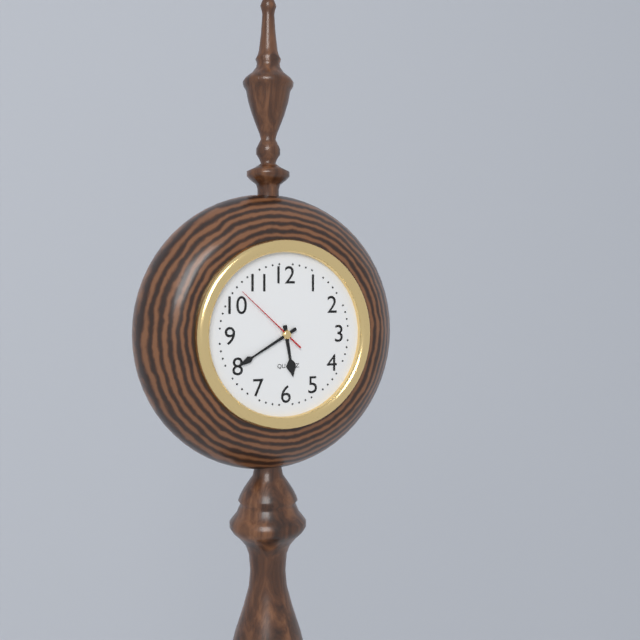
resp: 5,40,52
